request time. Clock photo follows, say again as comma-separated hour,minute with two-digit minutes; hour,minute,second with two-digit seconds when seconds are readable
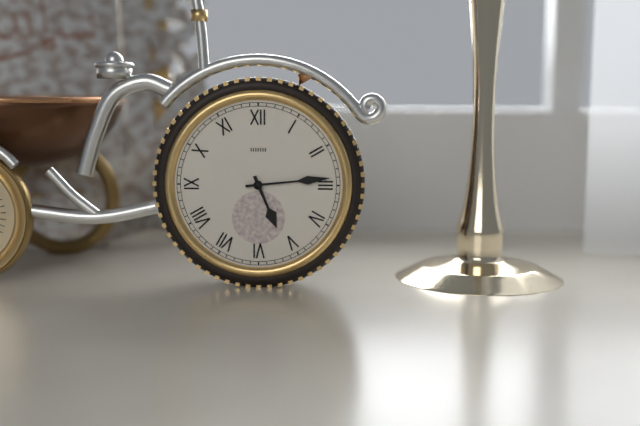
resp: 5,14
